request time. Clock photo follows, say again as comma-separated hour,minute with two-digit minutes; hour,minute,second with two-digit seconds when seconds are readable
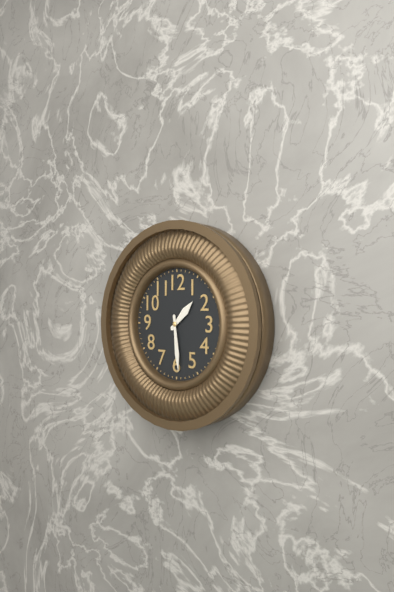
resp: 1,29
